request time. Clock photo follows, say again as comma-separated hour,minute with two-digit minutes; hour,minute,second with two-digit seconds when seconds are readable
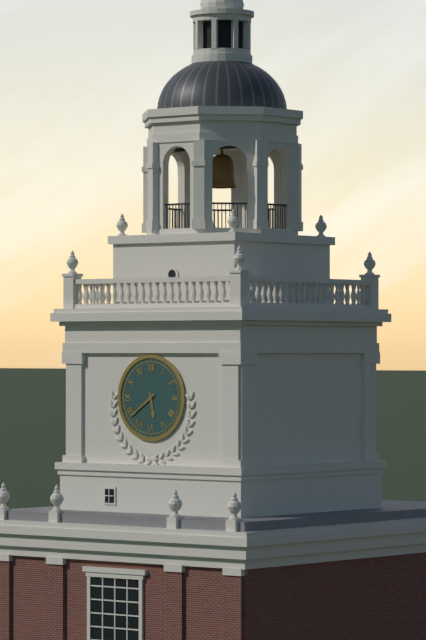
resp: 5,39
